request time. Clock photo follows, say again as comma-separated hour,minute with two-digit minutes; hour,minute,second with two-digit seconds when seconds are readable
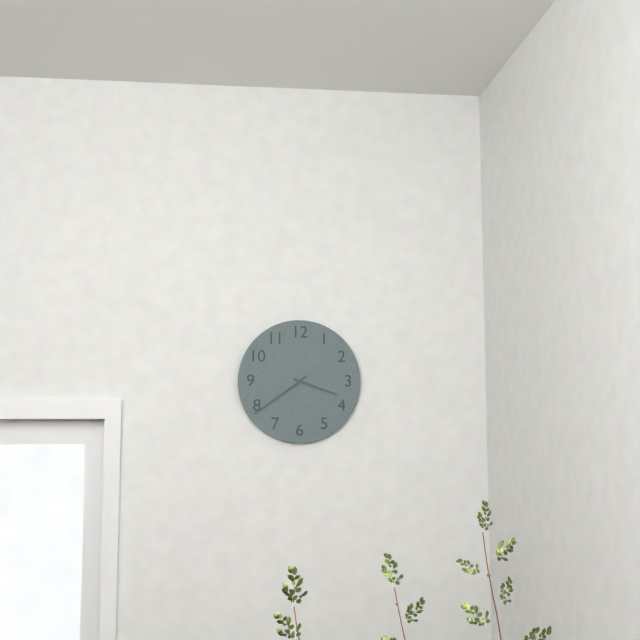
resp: 3,39
